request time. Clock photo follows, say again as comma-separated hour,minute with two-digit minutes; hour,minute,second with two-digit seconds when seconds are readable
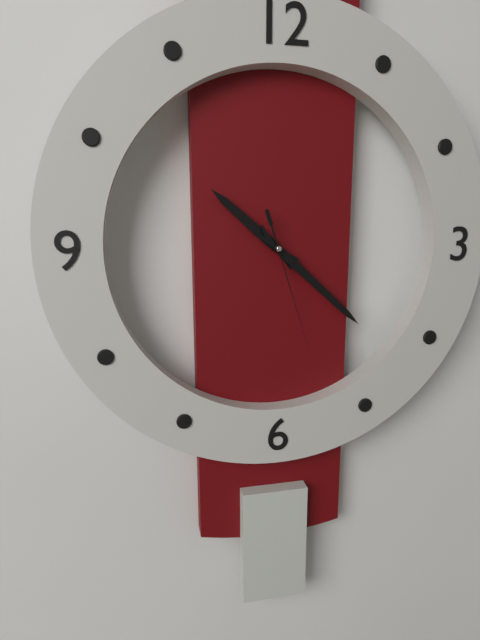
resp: 10,22,27
